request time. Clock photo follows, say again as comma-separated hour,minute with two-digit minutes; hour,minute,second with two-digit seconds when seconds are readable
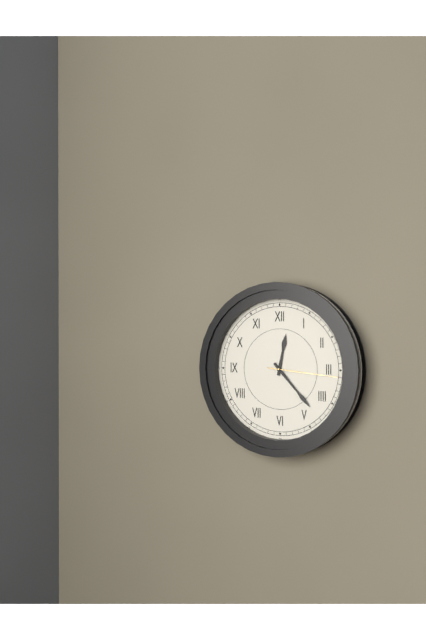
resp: 12,23,16
